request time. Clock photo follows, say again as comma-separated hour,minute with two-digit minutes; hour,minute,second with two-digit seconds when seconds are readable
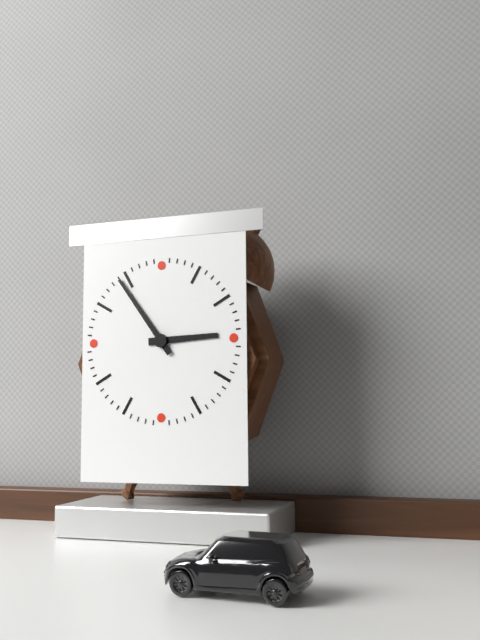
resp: 2,54
